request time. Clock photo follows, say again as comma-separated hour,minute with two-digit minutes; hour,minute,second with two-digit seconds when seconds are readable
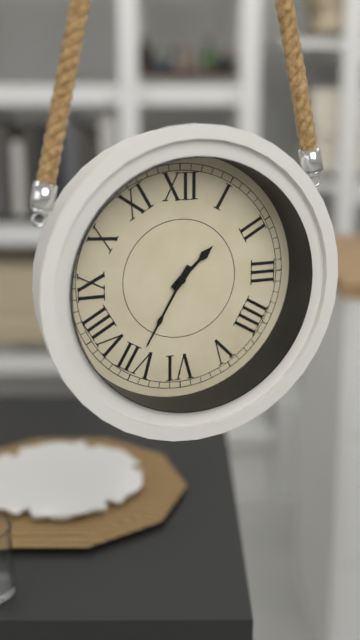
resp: 1,35
